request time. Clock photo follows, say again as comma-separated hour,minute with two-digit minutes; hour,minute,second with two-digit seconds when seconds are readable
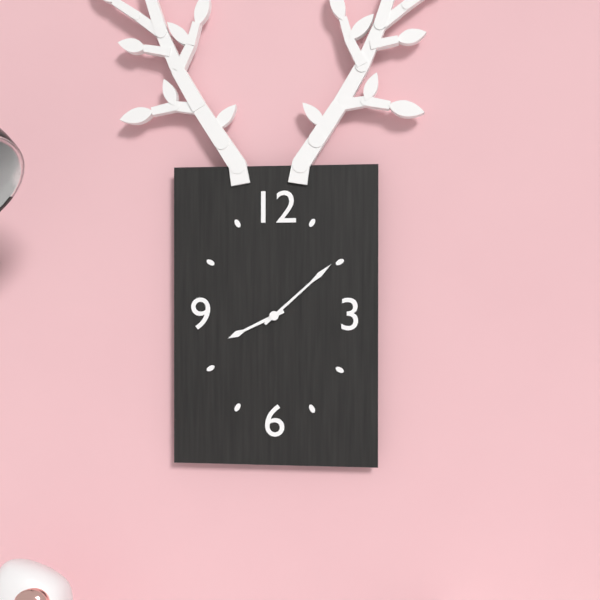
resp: 8,08
